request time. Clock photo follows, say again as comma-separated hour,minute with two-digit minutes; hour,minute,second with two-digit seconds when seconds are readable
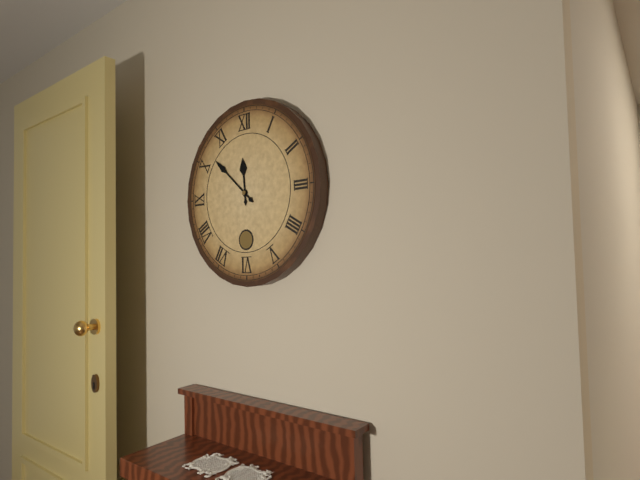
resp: 11,52
